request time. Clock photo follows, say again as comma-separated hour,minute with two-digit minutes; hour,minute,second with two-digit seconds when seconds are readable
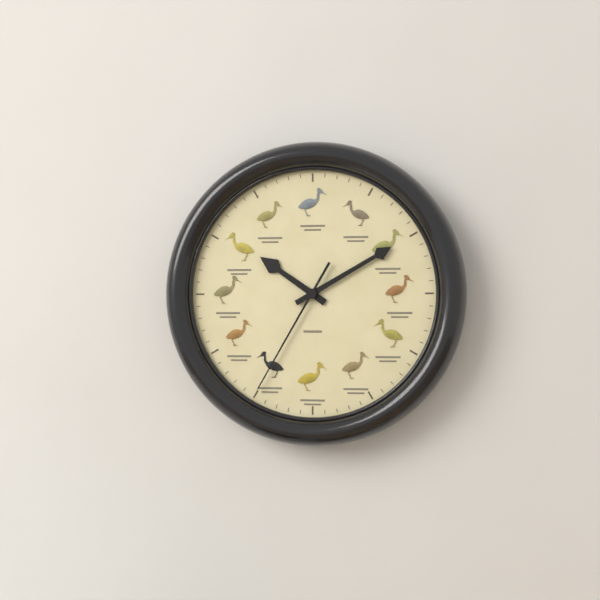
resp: 10,10,35
